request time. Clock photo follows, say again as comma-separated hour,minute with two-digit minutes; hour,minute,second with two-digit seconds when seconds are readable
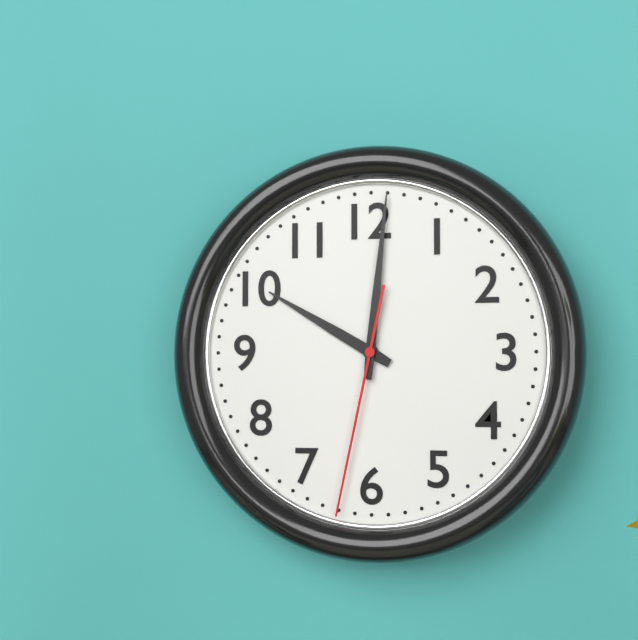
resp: 10,01,32
